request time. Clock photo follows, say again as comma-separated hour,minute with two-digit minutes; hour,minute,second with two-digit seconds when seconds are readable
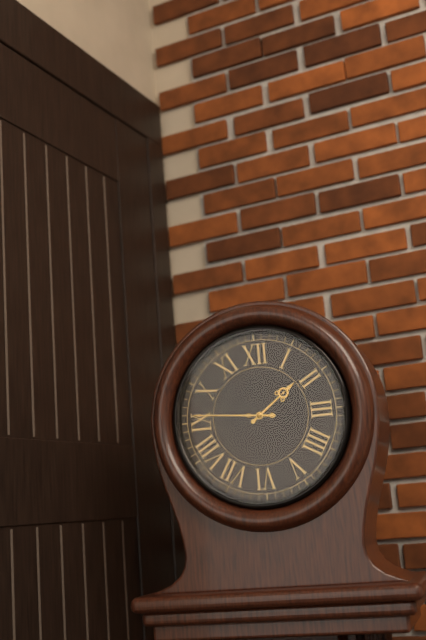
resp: 1,46
